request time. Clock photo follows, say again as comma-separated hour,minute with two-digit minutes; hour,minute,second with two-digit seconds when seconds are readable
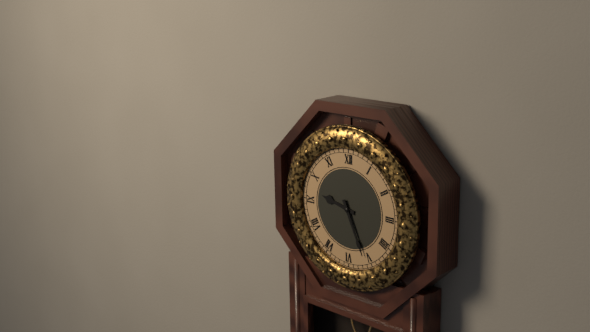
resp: 9,26
